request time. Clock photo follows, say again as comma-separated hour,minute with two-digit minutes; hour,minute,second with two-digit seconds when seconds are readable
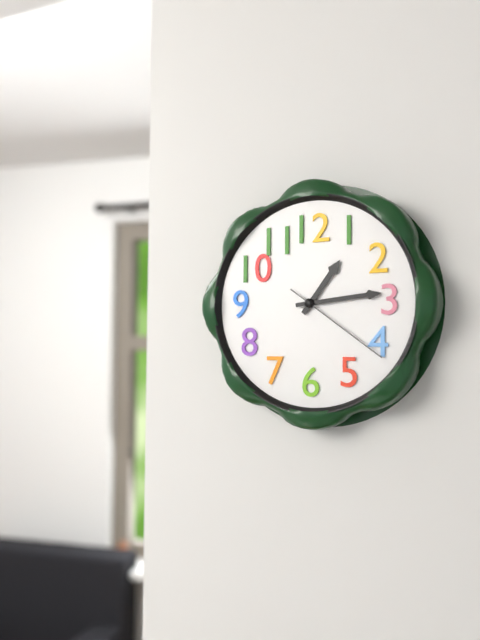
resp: 1,14,21
